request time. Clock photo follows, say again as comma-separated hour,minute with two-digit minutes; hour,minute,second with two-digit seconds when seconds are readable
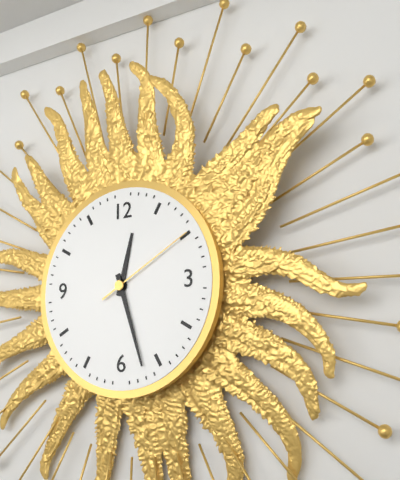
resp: 12,27,10
